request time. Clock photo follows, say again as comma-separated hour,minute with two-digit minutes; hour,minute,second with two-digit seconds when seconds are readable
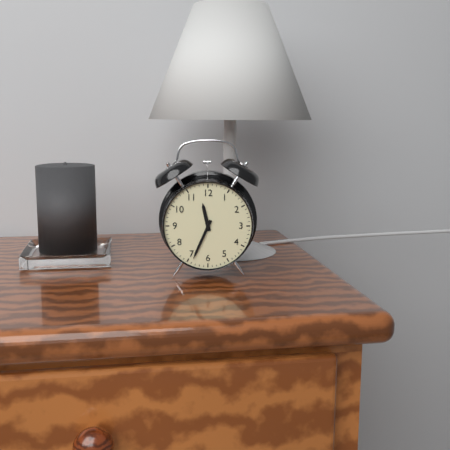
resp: 11,34
